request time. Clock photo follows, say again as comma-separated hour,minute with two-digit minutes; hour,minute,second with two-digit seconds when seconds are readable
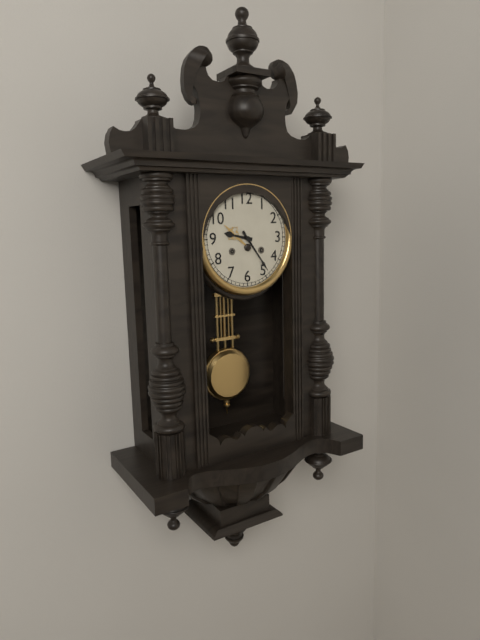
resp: 9,24
